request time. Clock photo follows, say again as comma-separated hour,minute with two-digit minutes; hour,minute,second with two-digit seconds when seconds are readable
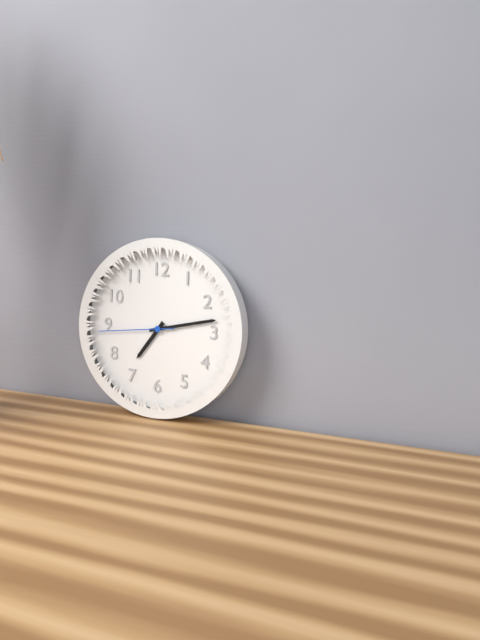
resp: 7,13,44
